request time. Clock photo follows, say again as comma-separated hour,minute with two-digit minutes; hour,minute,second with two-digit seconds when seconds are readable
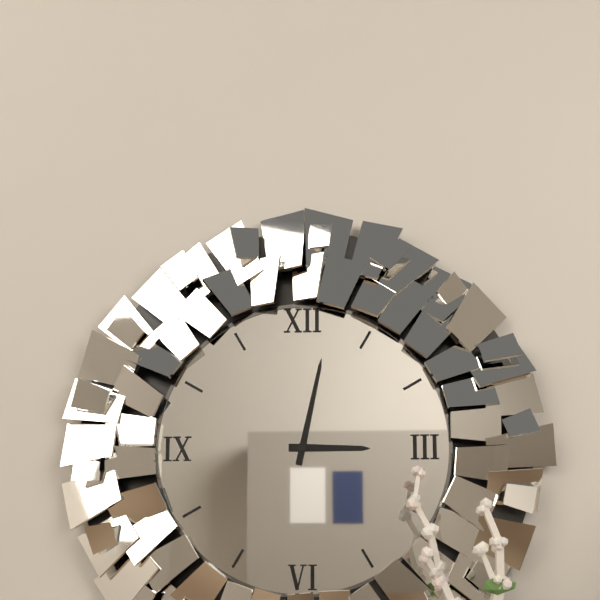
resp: 3,02
